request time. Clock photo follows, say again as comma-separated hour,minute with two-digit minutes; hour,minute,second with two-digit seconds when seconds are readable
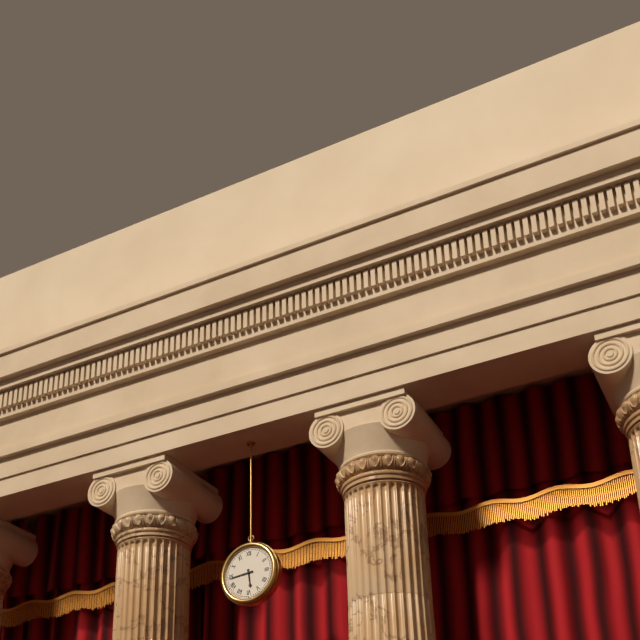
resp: 5,44
